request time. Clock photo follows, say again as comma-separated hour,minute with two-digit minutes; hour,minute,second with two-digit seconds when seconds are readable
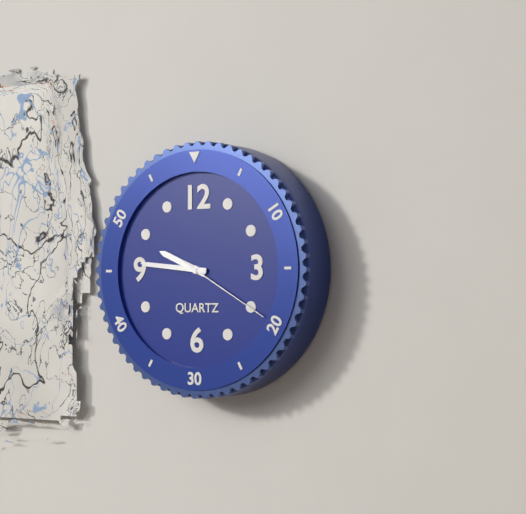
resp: 9,46,20
